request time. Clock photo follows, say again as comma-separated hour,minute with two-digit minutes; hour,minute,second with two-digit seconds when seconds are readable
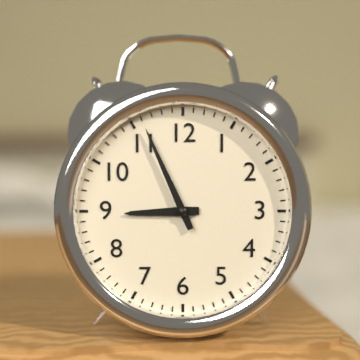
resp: 8,56
